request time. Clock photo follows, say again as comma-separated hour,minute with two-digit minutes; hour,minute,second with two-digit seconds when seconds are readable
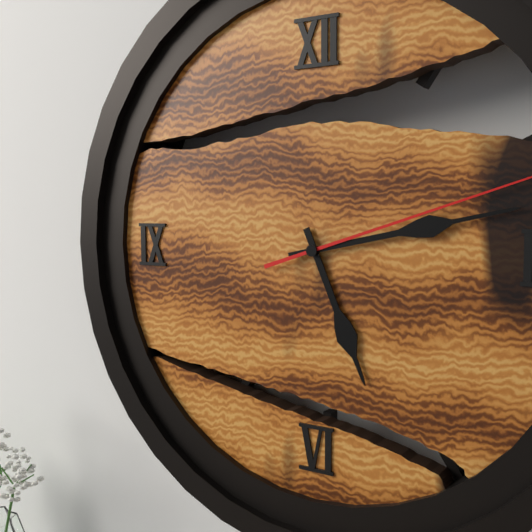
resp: 5,13
